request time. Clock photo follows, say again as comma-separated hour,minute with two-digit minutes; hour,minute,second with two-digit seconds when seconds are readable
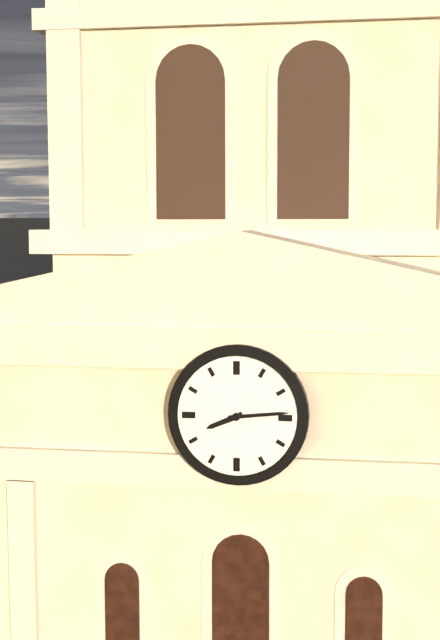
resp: 8,14
